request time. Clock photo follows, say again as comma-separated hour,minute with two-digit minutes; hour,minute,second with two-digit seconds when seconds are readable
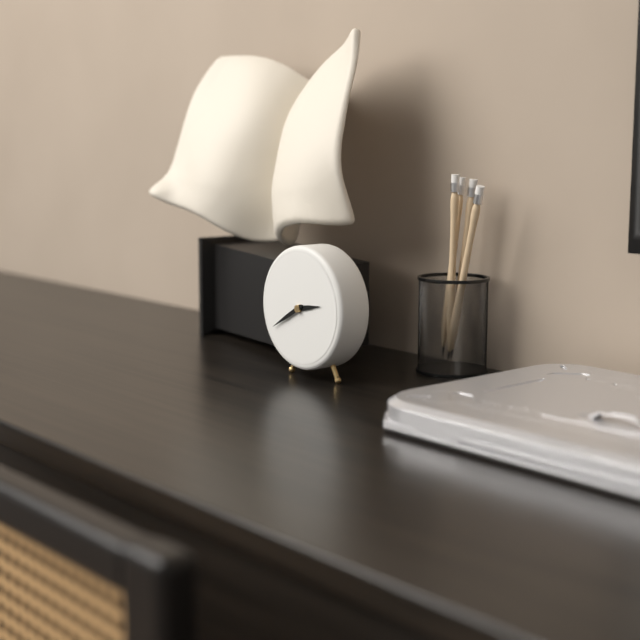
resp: 2,40
